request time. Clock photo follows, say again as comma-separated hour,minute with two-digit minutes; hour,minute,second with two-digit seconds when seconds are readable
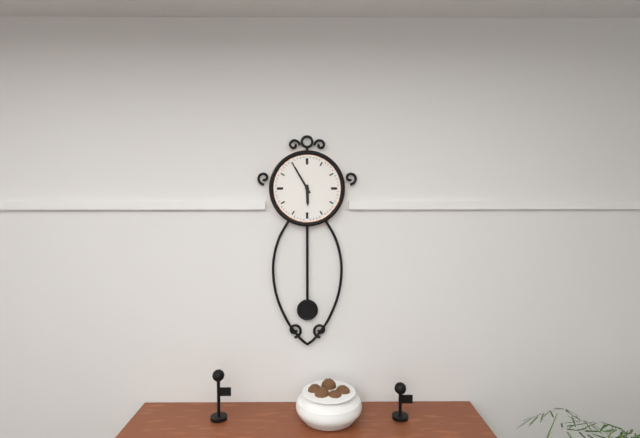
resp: 5,55
